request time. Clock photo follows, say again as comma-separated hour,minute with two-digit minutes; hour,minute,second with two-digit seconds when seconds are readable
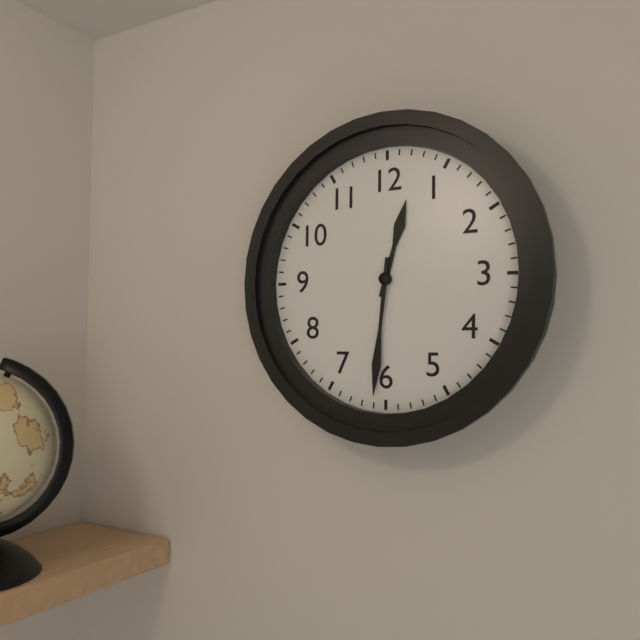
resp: 12,31
